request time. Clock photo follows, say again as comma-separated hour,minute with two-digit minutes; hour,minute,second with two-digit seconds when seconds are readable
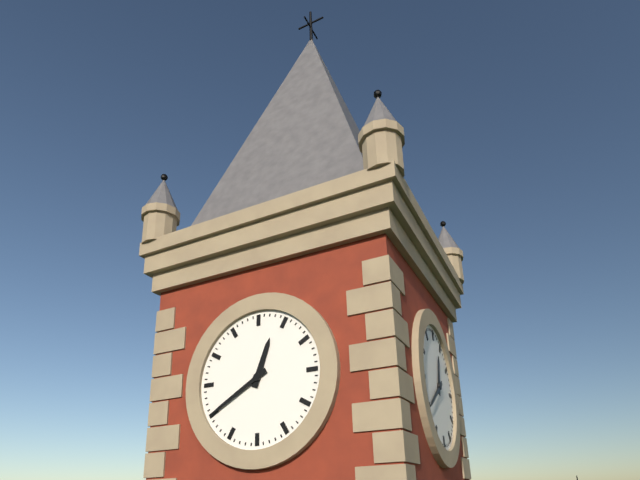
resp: 12,40
